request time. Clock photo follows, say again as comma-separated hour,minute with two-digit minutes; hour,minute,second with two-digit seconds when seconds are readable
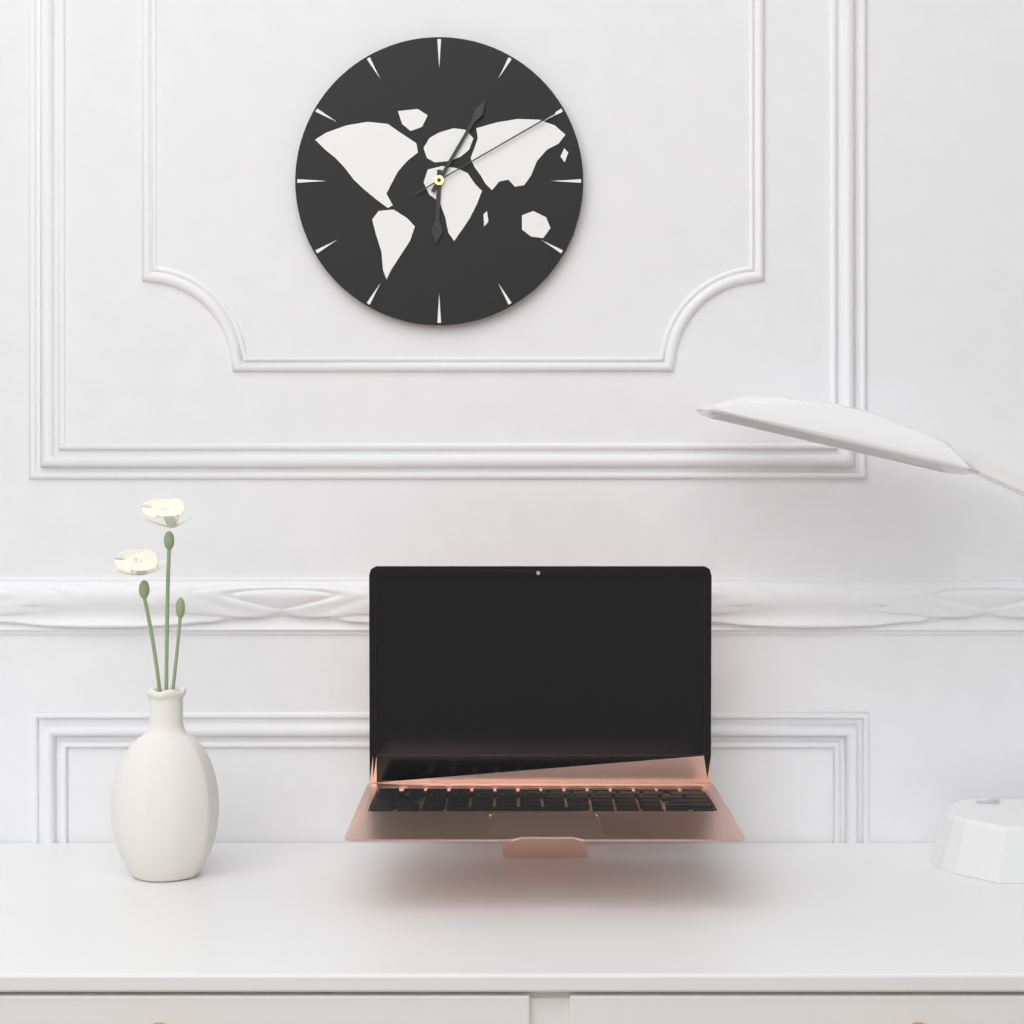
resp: 6,05,10
